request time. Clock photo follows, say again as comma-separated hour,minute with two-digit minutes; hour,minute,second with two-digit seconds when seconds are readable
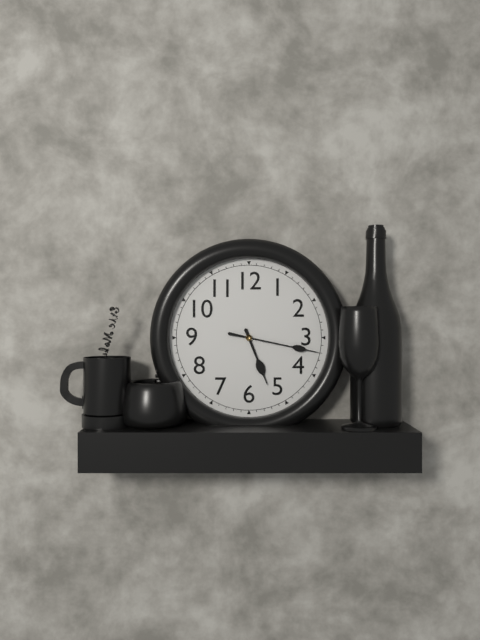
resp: 5,17
